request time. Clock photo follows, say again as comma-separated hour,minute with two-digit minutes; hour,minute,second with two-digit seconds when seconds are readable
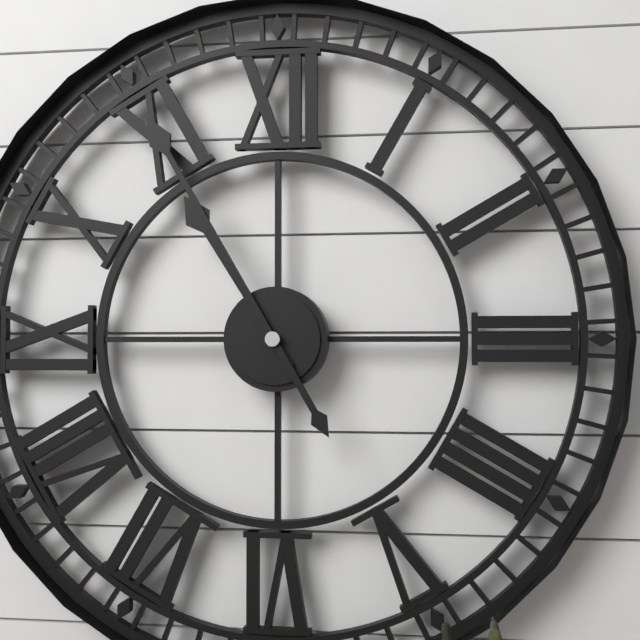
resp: 10,55
